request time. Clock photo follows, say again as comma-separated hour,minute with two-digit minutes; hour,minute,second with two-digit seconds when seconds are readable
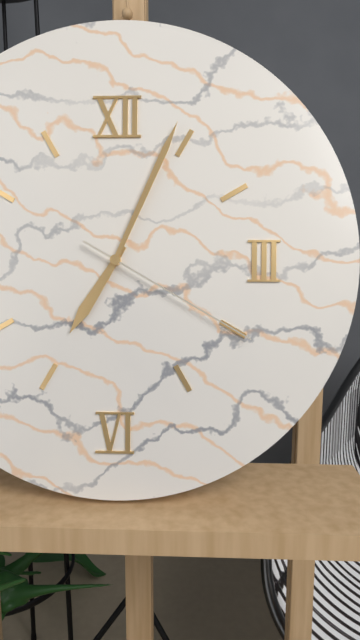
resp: 7,04,20
